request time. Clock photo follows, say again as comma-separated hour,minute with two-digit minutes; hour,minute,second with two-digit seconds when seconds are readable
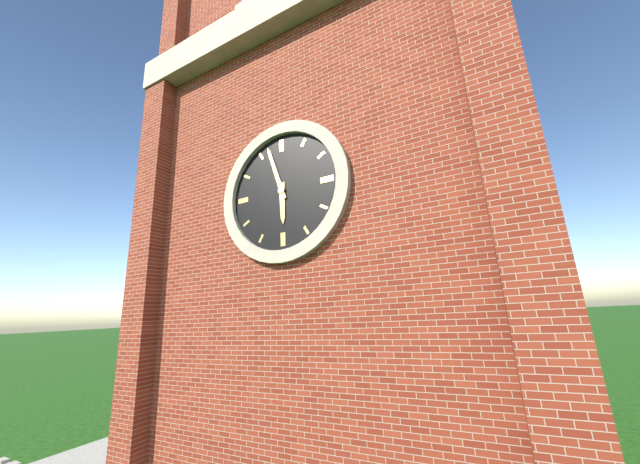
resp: 5,57
